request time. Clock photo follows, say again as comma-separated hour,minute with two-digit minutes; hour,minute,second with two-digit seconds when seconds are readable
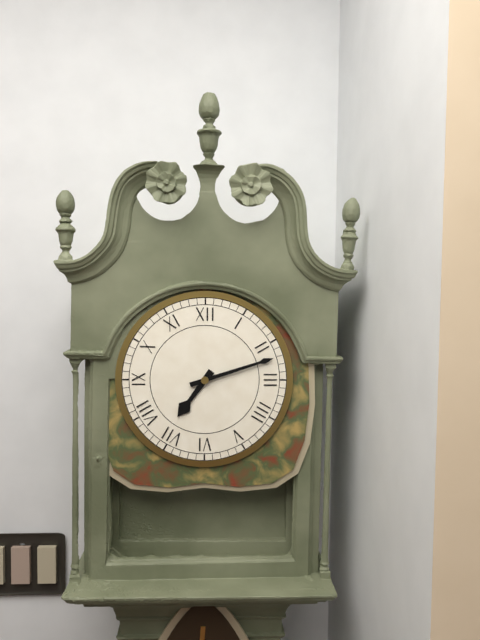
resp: 7,12
